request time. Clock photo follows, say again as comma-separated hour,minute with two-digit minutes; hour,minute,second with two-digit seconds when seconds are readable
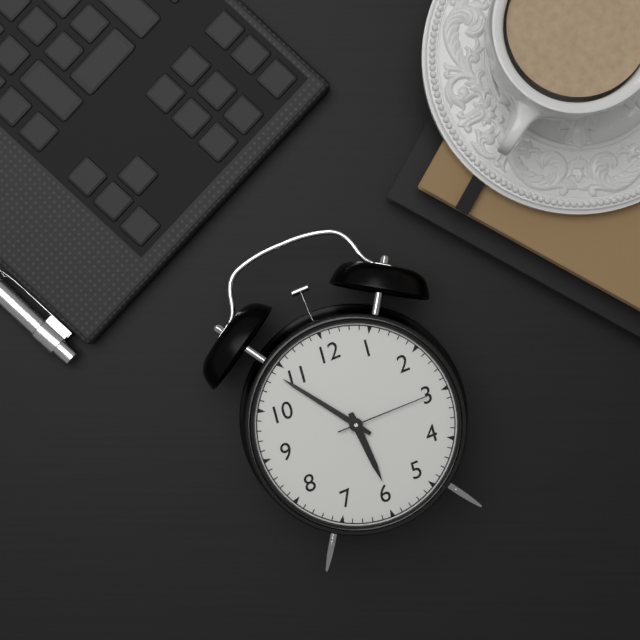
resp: 5,54,15
